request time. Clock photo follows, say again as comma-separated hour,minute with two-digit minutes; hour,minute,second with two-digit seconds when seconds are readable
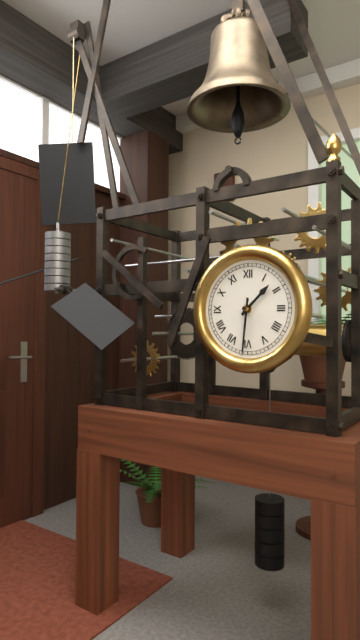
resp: 1,31
